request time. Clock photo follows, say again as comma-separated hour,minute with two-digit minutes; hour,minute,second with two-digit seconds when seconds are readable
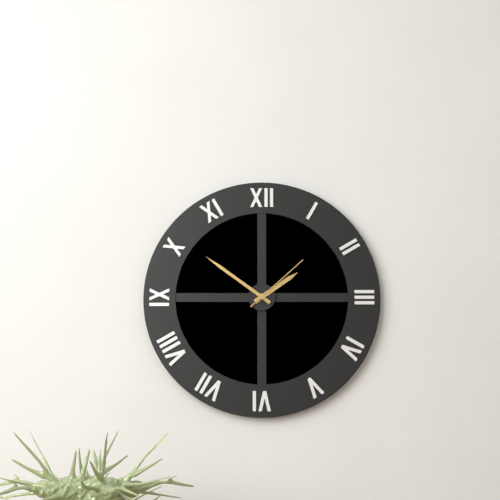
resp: 1,51,08
